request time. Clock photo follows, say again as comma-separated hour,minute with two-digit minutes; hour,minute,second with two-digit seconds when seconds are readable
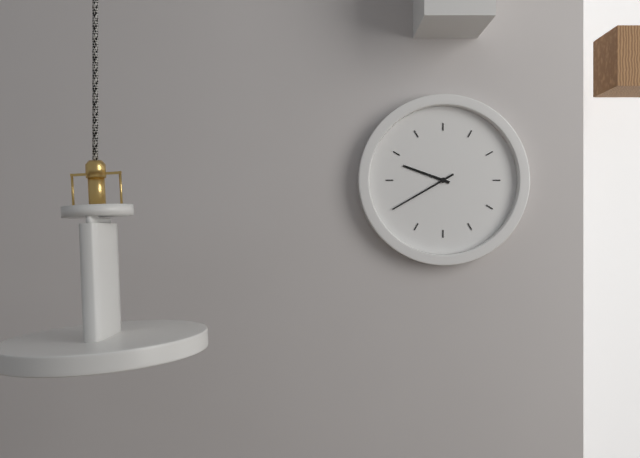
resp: 9,40
